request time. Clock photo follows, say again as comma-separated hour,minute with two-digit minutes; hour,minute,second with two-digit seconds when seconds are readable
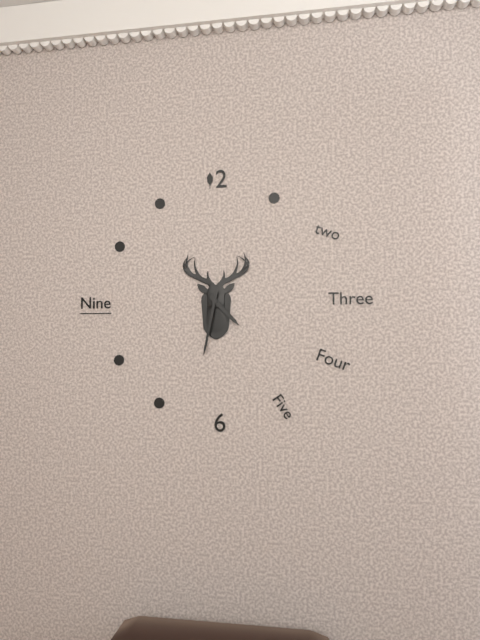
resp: 4,32
